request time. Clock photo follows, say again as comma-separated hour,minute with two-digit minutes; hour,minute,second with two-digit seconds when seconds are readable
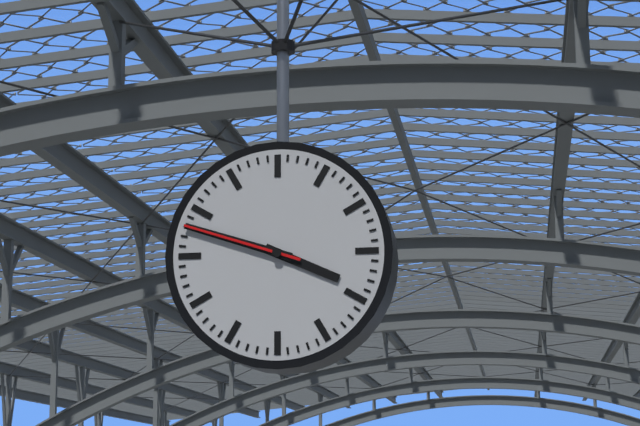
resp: 3,48,48
